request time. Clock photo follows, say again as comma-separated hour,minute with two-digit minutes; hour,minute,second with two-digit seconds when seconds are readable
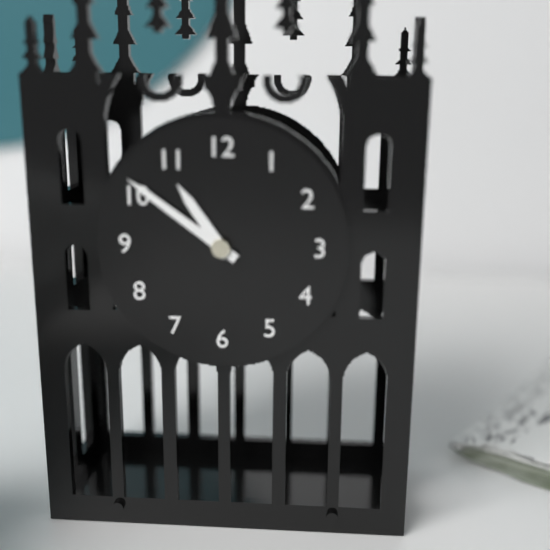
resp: 10,51
